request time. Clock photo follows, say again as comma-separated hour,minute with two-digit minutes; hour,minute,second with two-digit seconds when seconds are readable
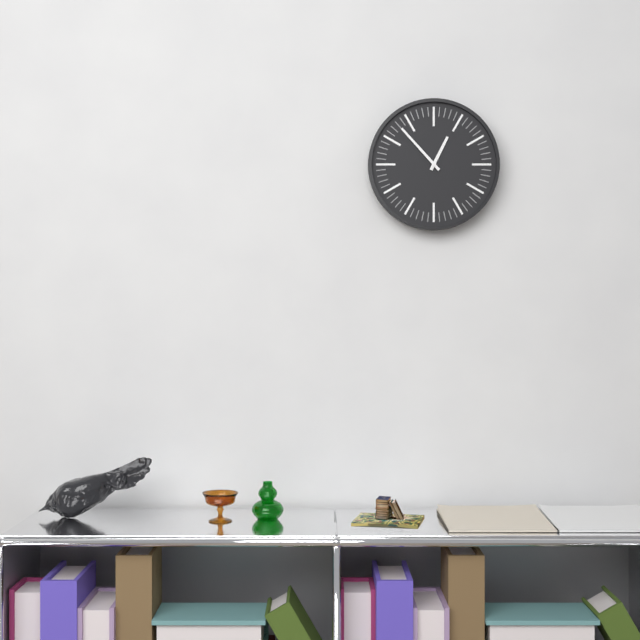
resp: 12,53
